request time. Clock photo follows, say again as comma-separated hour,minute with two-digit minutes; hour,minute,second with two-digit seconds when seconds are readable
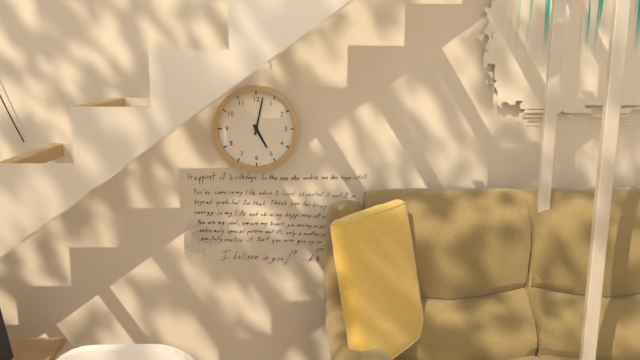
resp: 5,02
